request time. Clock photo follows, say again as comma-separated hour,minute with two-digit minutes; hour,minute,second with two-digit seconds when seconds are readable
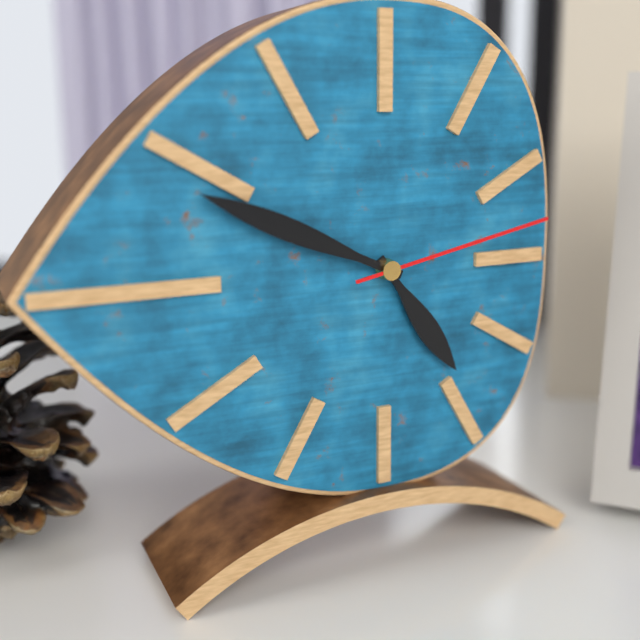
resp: 4,49,13
